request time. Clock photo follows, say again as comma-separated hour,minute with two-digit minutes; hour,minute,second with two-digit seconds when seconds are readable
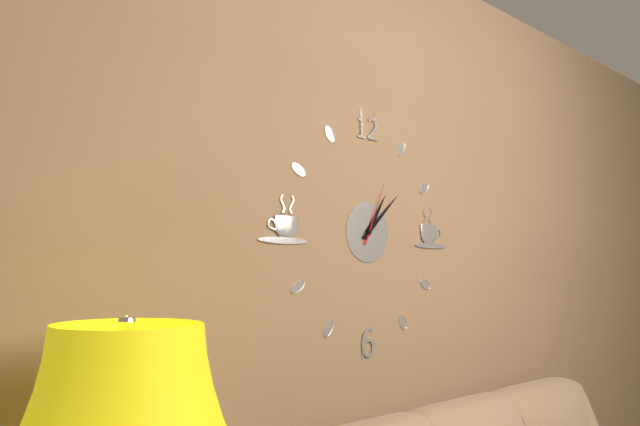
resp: 1,08,04
